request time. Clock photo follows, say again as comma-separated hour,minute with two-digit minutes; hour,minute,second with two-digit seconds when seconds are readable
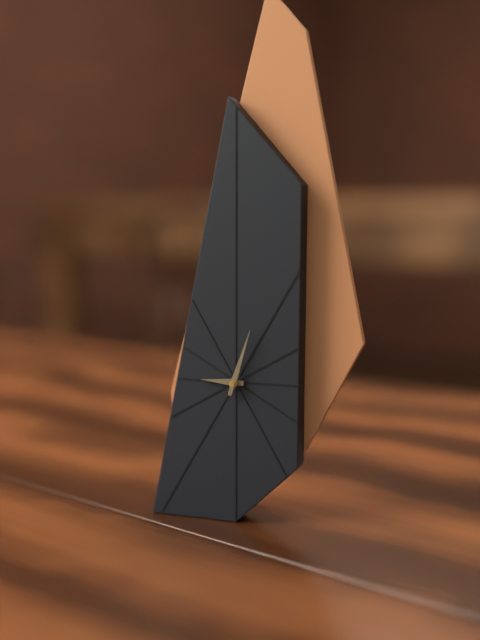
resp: 9,03
